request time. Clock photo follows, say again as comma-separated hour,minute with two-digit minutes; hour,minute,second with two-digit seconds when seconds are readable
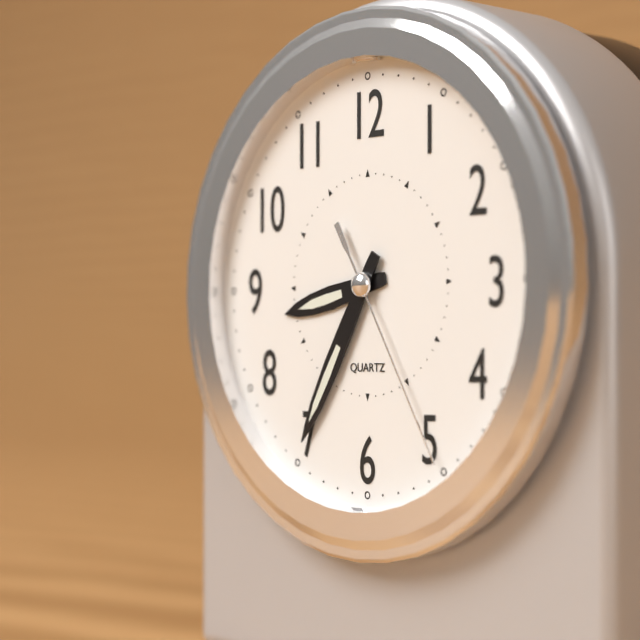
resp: 8,35,25
